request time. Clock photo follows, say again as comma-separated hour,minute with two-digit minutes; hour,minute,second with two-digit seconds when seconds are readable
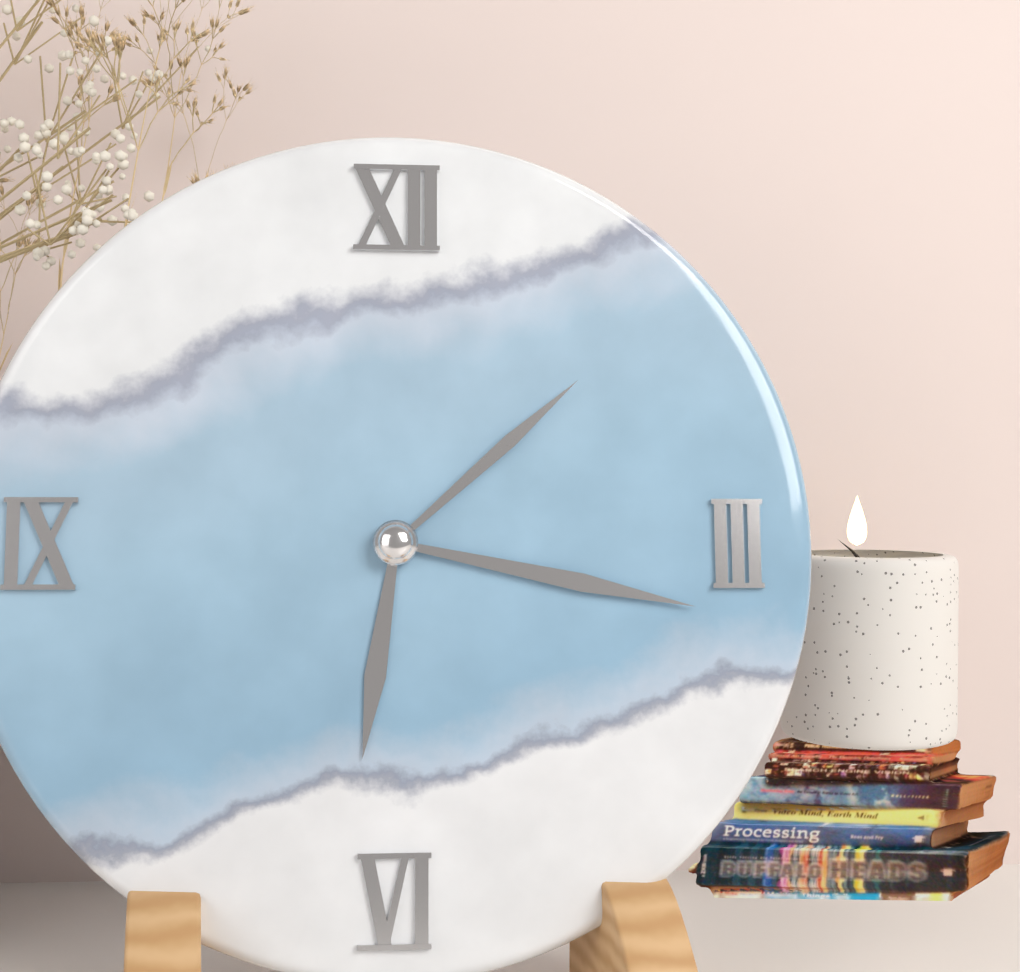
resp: 6,17,08
